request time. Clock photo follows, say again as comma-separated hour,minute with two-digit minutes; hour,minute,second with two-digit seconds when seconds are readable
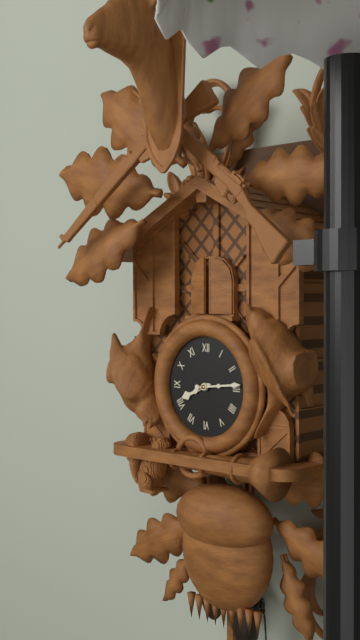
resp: 8,14
